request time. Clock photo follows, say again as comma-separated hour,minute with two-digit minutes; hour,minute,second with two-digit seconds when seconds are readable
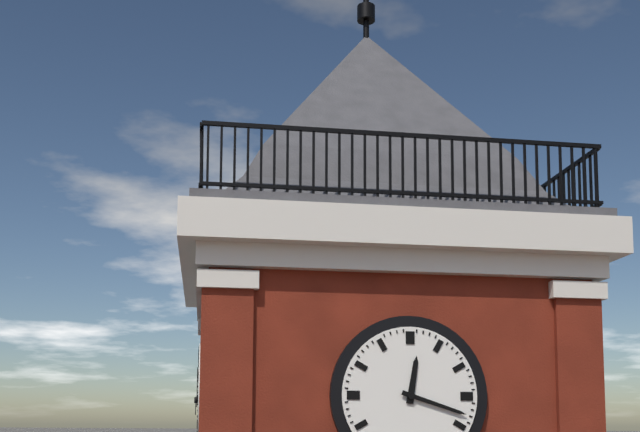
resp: 12,18
